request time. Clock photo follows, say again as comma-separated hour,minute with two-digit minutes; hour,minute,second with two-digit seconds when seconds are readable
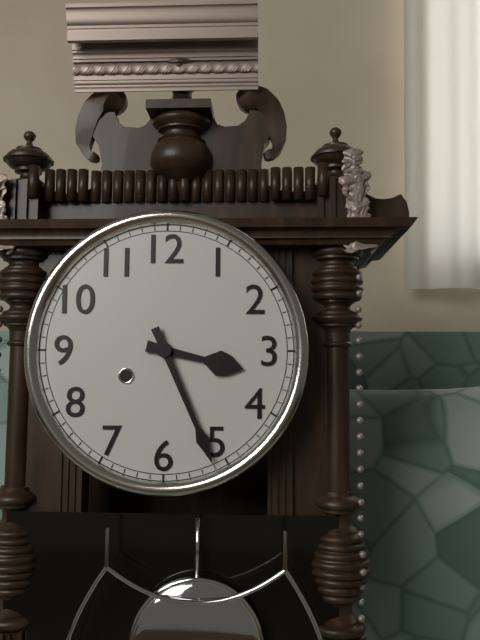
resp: 3,26
